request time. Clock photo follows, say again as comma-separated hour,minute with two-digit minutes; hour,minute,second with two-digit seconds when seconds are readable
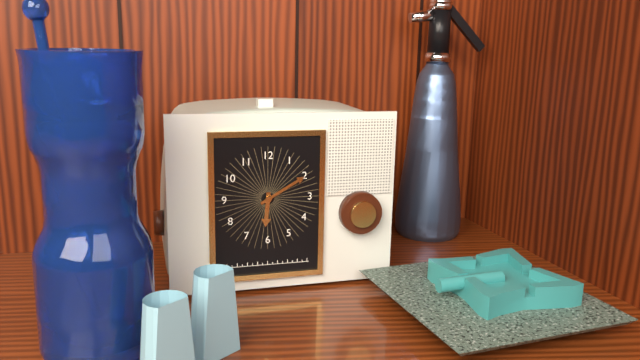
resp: 6,10
